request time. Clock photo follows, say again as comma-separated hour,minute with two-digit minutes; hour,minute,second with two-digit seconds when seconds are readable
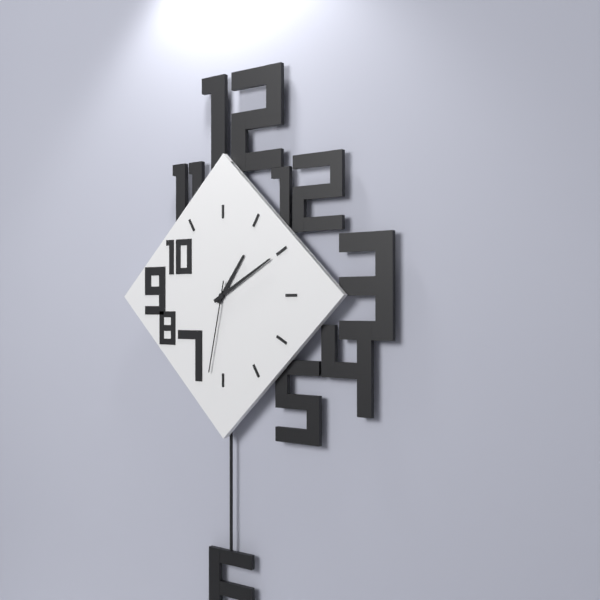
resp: 1,10,32
